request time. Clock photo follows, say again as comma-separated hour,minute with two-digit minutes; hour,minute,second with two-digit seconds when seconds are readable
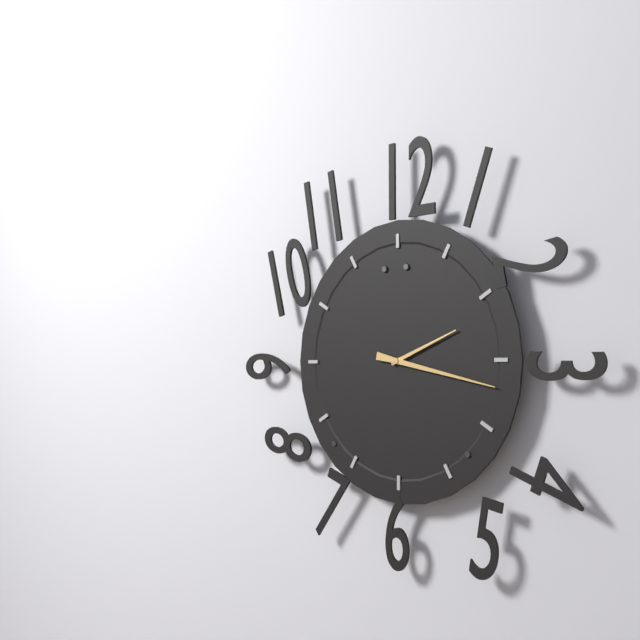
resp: 2,17
